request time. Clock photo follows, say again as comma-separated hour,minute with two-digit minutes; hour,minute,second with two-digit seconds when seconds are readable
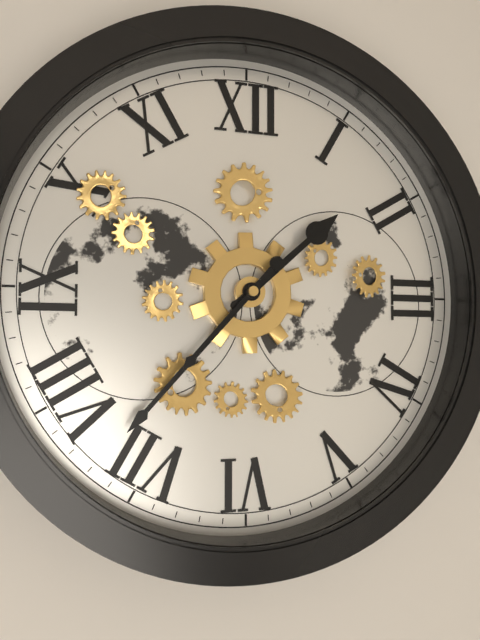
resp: 1,37
